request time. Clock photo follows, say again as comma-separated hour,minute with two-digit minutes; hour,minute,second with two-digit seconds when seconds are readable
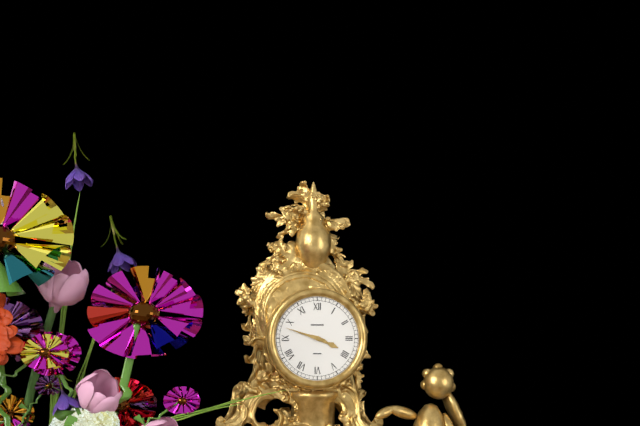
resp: 3,48
